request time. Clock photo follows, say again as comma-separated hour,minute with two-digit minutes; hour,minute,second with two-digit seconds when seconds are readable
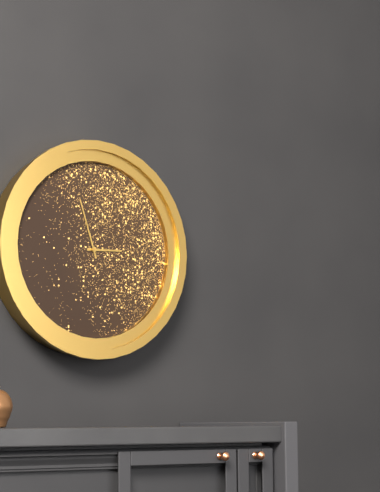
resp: 2,57
